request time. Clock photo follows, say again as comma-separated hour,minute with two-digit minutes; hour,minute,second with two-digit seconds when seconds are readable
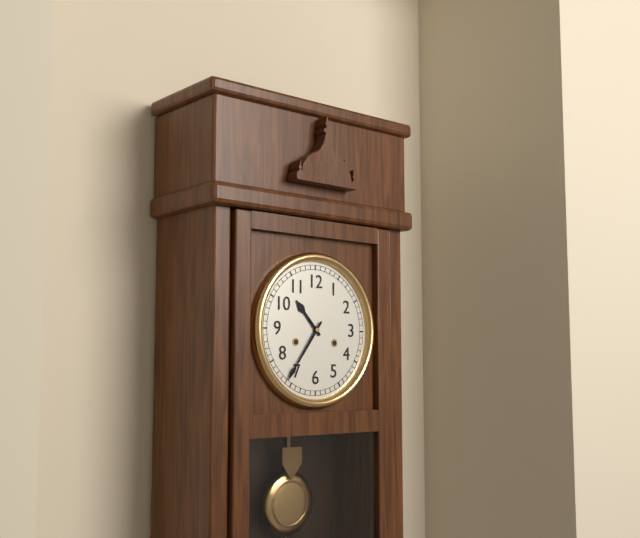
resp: 10,36
